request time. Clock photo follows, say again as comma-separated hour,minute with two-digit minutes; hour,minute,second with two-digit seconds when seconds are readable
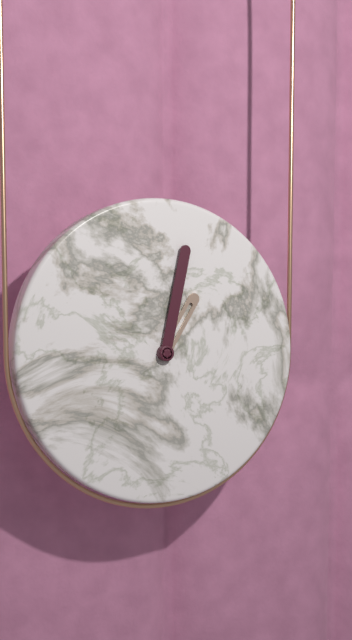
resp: 1,02
